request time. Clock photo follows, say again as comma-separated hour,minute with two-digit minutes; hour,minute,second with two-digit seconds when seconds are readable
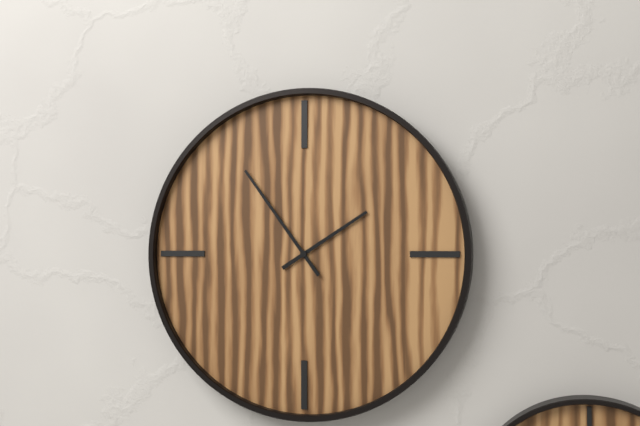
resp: 1,54
